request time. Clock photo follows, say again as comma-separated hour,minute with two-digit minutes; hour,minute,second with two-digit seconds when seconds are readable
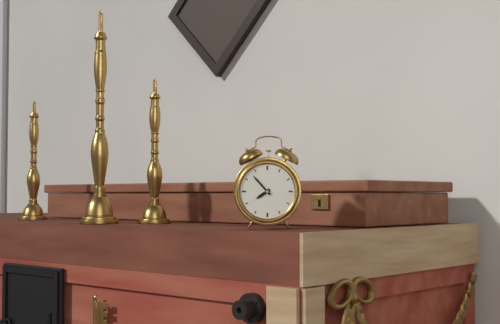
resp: 7,53
